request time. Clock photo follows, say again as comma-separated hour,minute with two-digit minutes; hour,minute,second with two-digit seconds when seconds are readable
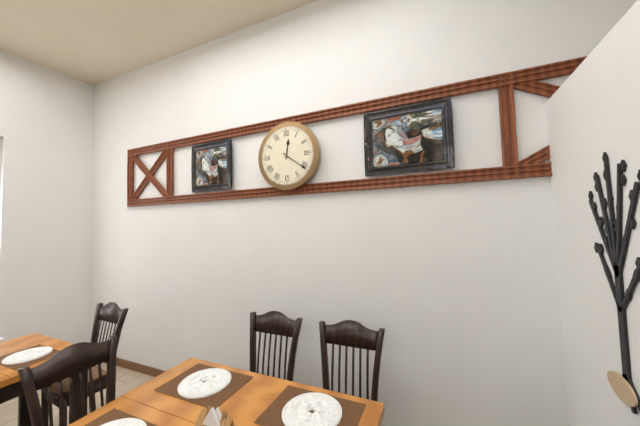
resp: 12,21
